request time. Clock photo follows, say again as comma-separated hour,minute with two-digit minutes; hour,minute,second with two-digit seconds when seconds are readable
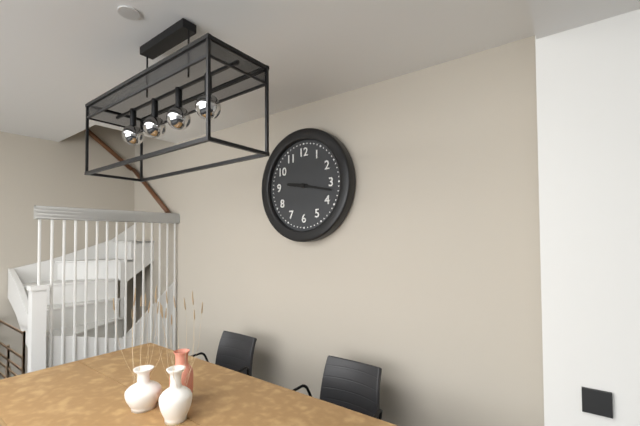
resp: 9,17
